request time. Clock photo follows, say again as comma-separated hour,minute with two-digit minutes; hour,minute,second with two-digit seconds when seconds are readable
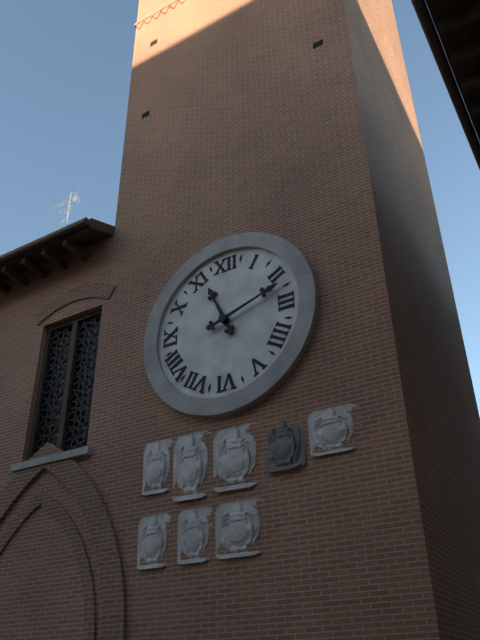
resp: 11,12
